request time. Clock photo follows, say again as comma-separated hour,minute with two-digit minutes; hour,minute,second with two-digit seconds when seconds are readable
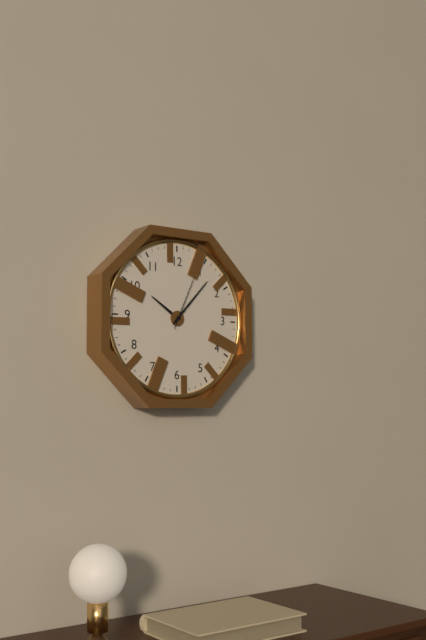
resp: 10,07,04
